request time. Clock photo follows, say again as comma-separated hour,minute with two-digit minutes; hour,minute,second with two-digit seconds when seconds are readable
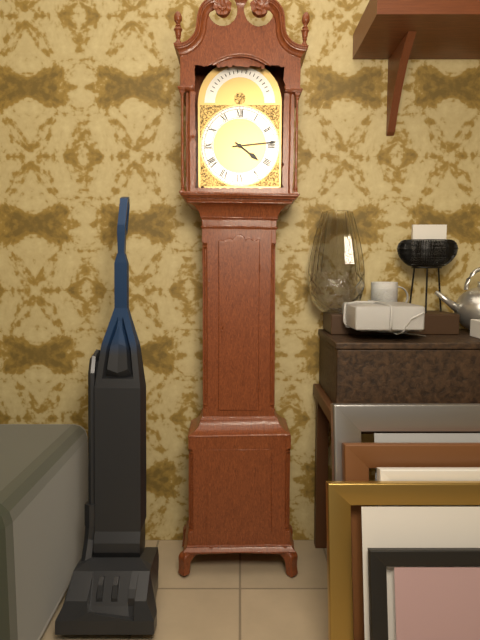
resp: 4,14
